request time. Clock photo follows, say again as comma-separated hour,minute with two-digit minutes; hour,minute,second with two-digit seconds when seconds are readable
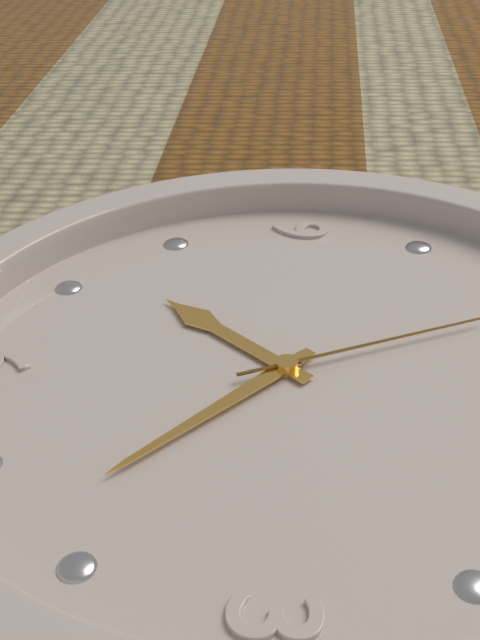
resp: 7,22
